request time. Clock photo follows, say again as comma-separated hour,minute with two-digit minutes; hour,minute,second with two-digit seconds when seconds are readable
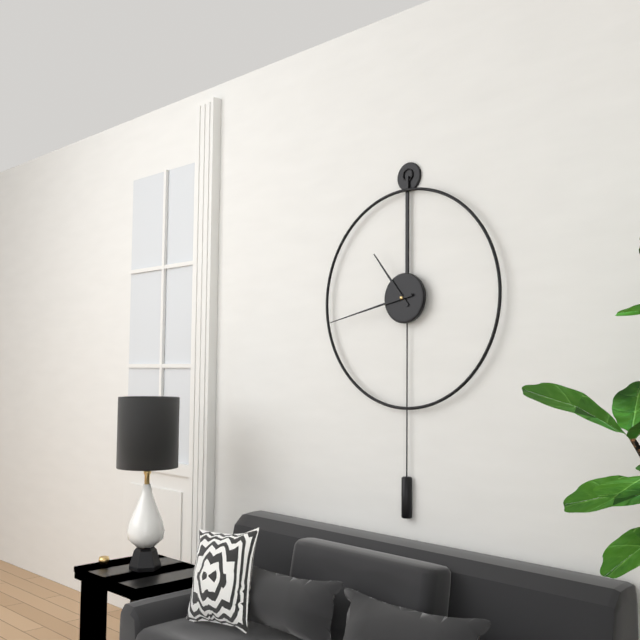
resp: 10,43
